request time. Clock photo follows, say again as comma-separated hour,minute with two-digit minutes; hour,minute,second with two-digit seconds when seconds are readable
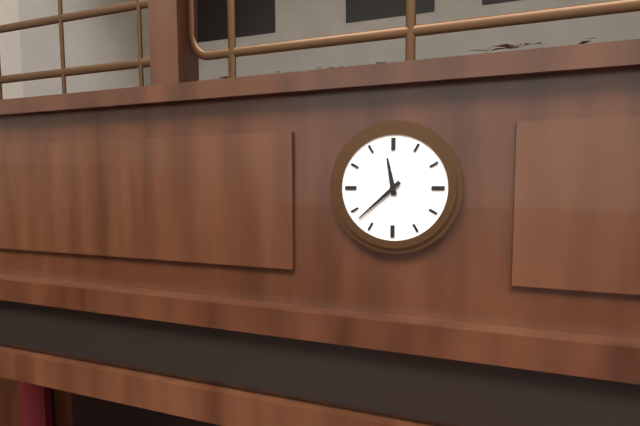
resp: 11,38
